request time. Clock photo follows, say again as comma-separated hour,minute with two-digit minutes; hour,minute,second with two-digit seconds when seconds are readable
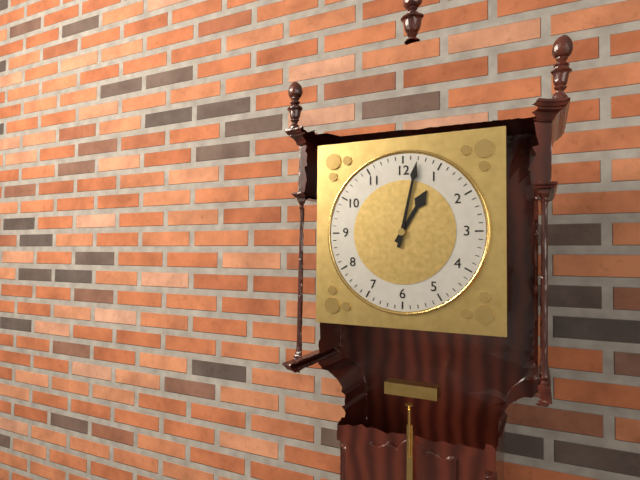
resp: 1,02
